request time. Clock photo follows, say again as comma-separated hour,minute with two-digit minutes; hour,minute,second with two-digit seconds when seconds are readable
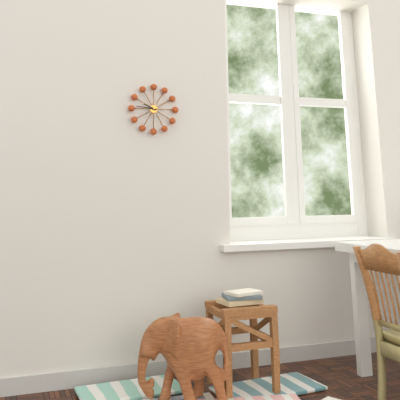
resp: 9,46
